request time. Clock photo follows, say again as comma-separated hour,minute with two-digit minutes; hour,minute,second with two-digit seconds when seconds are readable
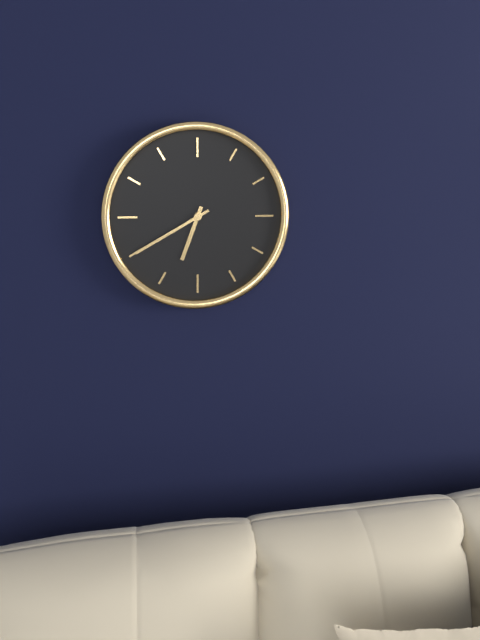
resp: 6,40
